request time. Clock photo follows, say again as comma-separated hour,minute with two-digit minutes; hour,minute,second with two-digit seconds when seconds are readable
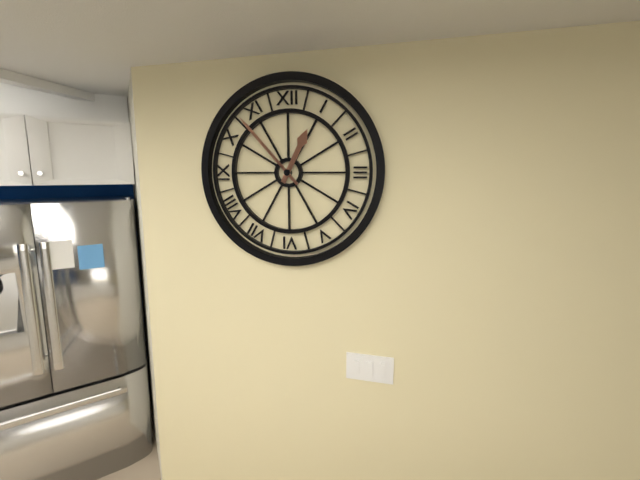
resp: 12,53
